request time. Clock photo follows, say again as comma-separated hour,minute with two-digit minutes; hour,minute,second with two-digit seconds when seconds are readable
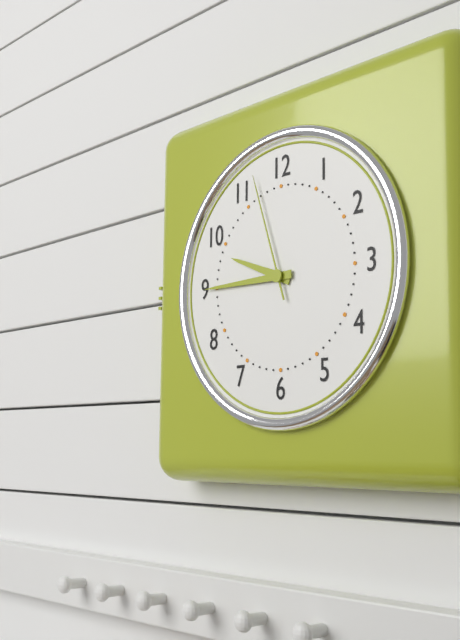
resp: 9,45,57
